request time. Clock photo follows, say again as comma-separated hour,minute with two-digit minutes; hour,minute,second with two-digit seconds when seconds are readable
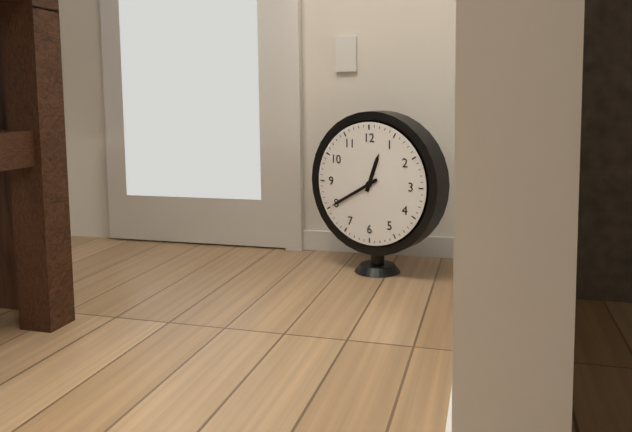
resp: 12,40
